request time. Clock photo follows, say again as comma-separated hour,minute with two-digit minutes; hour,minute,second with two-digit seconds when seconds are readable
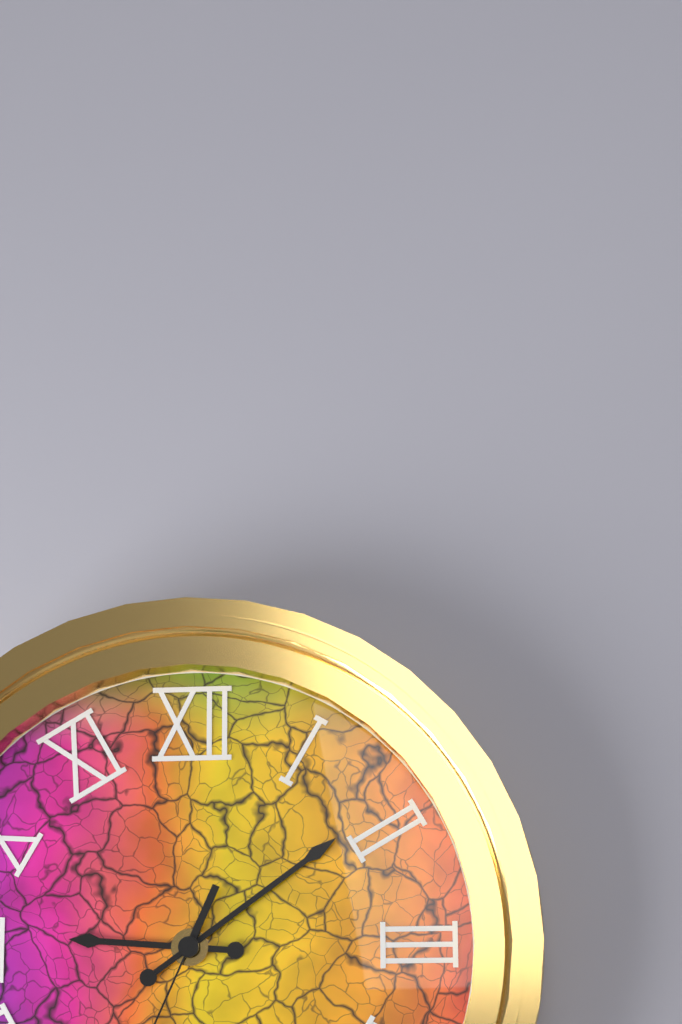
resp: 9,09
